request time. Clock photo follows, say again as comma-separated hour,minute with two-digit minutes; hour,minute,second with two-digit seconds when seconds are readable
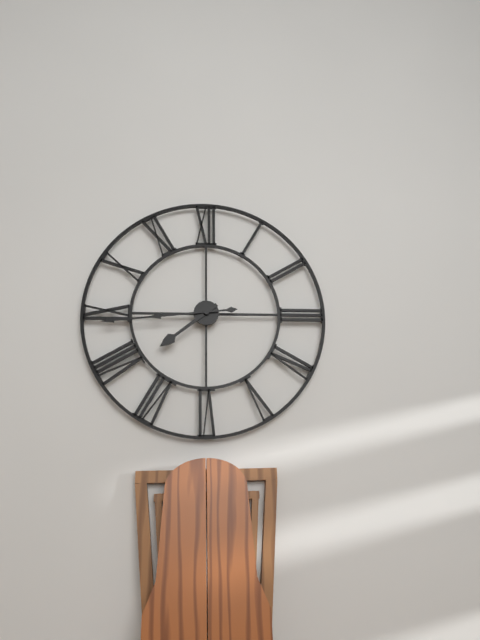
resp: 7,44
